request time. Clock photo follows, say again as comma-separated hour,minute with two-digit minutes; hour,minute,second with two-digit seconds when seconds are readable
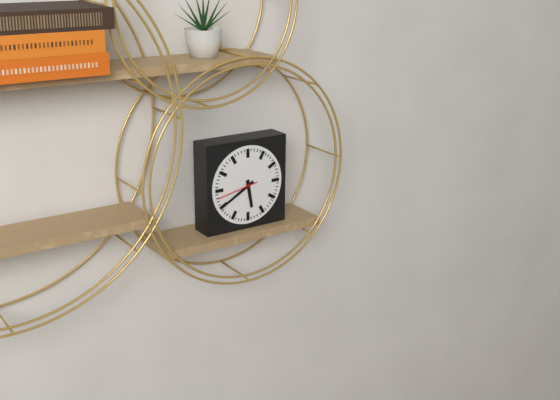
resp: 5,40
